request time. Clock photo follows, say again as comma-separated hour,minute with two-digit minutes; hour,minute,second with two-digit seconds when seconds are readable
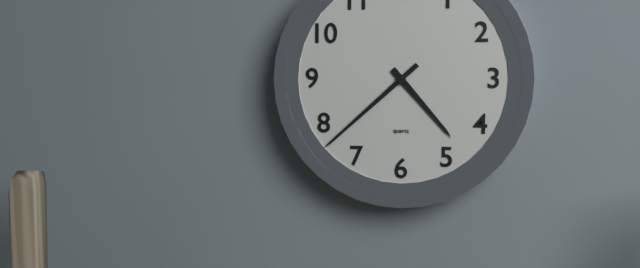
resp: 4,38
